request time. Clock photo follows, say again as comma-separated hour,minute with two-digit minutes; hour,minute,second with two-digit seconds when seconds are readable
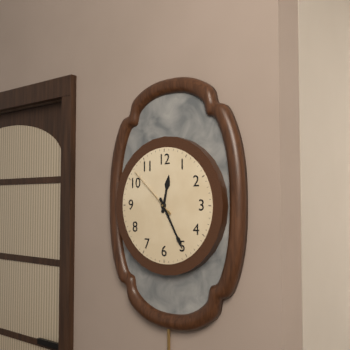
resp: 12,25,52
